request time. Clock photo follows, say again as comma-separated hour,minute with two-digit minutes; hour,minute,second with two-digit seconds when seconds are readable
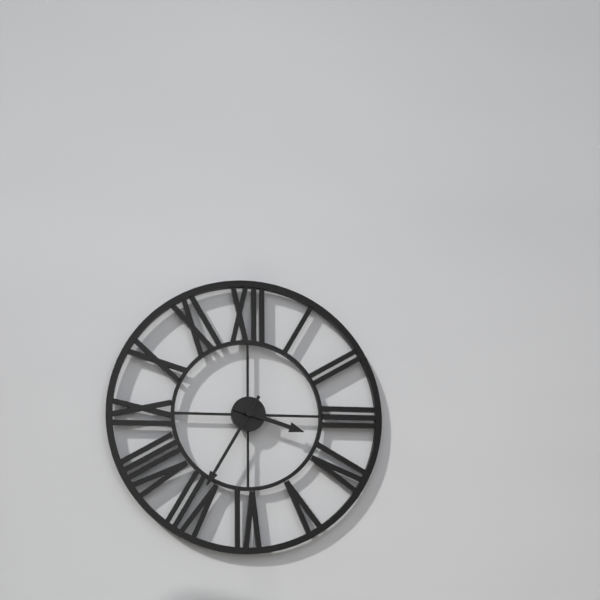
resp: 3,35
